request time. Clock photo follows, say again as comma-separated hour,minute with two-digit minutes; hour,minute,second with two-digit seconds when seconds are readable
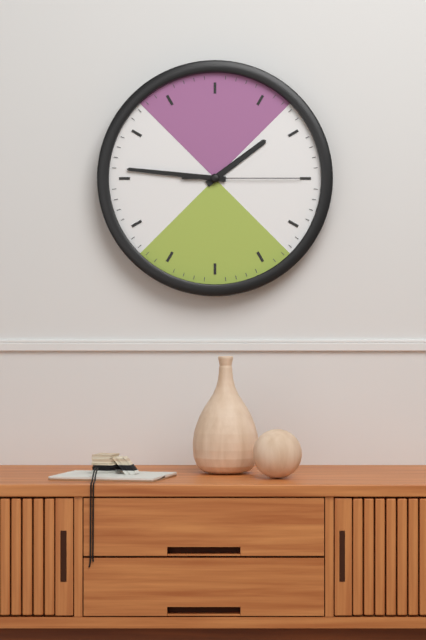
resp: 1,46,15
